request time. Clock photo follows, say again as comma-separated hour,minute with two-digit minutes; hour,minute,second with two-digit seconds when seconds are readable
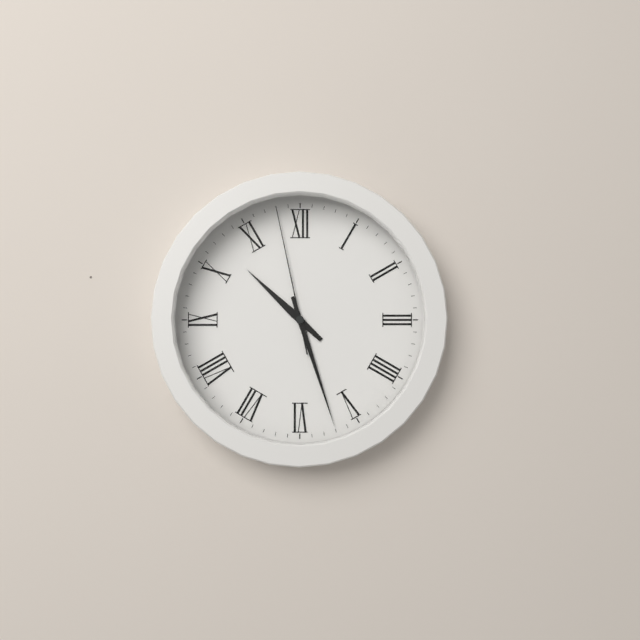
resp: 10,27,58
